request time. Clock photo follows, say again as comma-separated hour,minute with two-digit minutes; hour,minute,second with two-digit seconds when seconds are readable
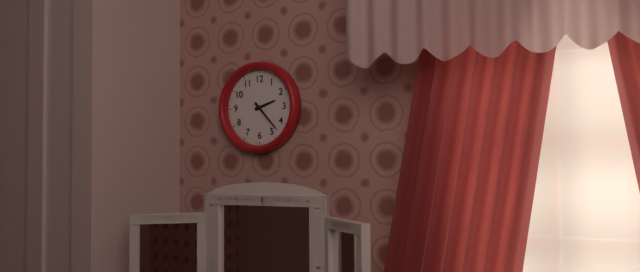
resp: 2,23
